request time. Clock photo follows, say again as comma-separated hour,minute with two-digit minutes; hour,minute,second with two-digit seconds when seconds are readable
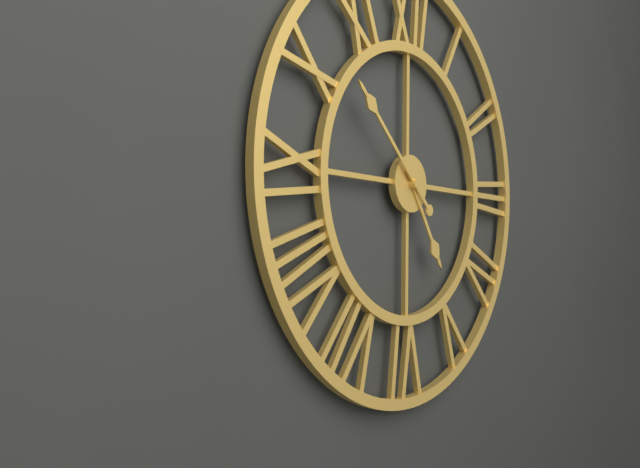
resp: 4,52
